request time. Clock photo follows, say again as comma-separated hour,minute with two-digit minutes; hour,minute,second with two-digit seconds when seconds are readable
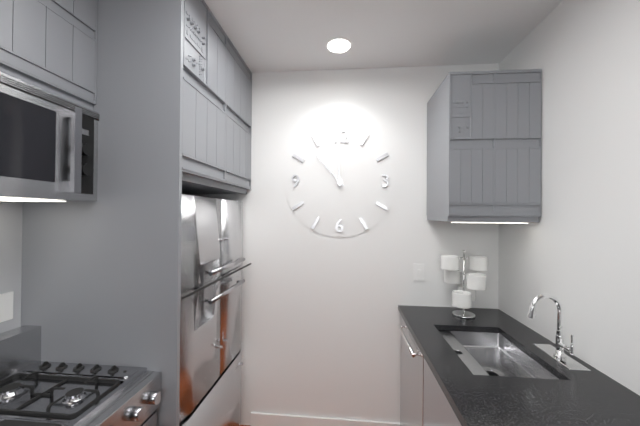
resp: 11,53
